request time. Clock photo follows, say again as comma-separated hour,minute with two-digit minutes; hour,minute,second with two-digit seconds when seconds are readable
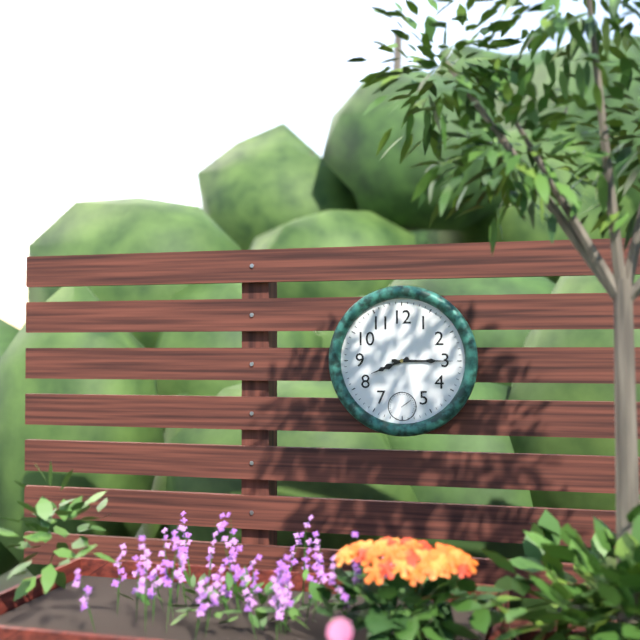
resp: 8,15
